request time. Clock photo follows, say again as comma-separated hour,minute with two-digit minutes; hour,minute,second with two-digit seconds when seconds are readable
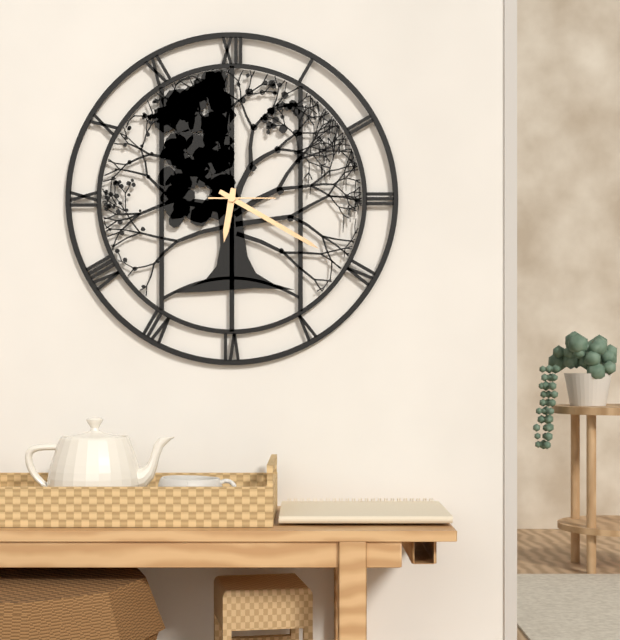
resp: 6,20,15
